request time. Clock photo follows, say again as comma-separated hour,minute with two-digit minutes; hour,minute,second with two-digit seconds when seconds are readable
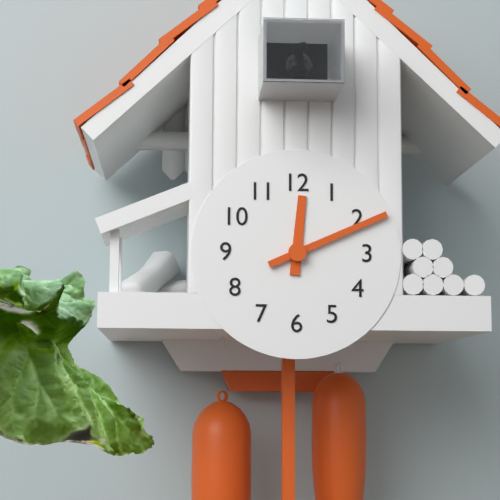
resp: 12,11
